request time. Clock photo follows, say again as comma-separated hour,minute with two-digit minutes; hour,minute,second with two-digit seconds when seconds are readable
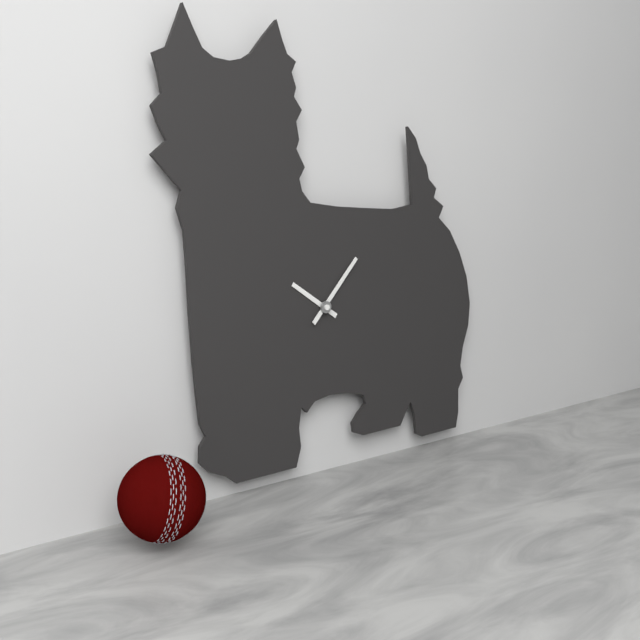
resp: 10,07
